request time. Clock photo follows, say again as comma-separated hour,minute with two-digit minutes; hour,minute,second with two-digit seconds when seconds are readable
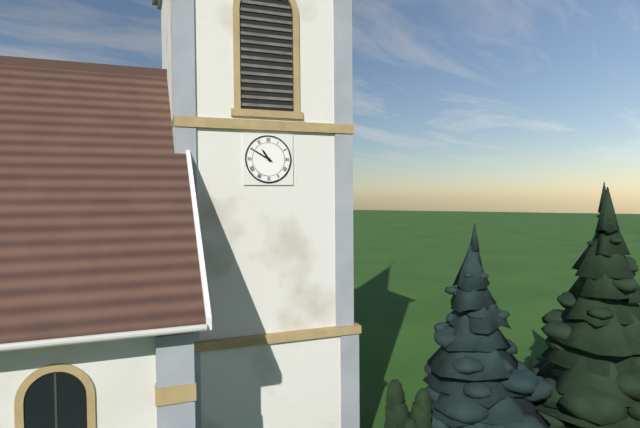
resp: 10,50
